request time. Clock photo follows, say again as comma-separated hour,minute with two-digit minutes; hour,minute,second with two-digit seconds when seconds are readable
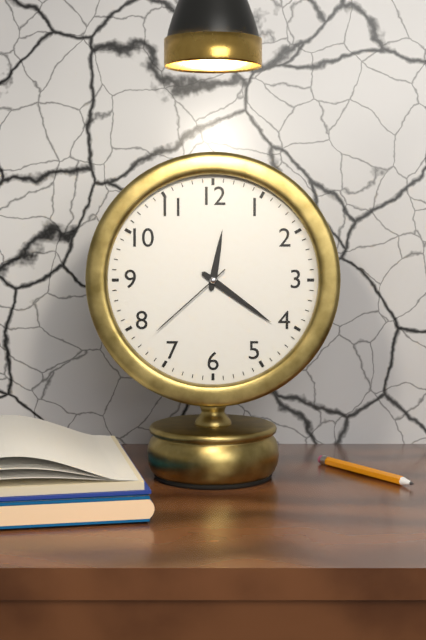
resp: 12,21,38
